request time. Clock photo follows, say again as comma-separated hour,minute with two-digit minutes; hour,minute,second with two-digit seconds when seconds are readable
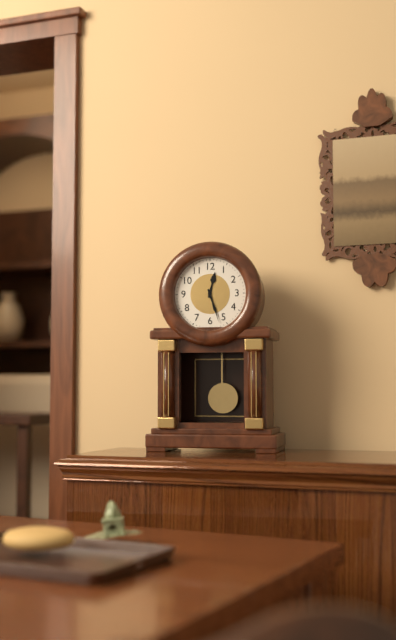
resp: 12,27
